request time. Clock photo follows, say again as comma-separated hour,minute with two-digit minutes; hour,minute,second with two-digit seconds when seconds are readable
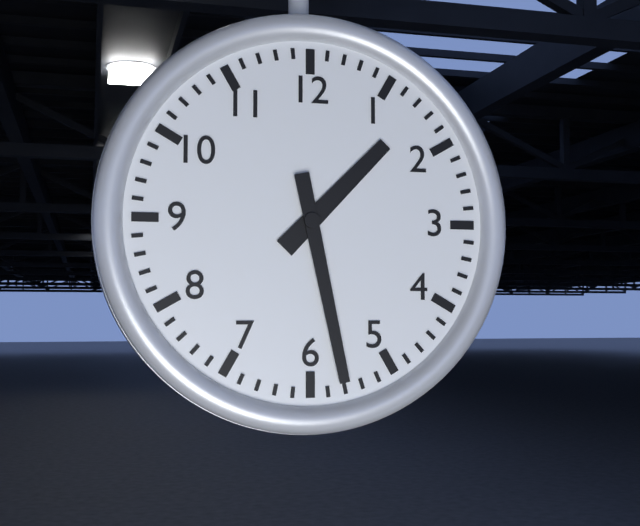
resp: 1,28
